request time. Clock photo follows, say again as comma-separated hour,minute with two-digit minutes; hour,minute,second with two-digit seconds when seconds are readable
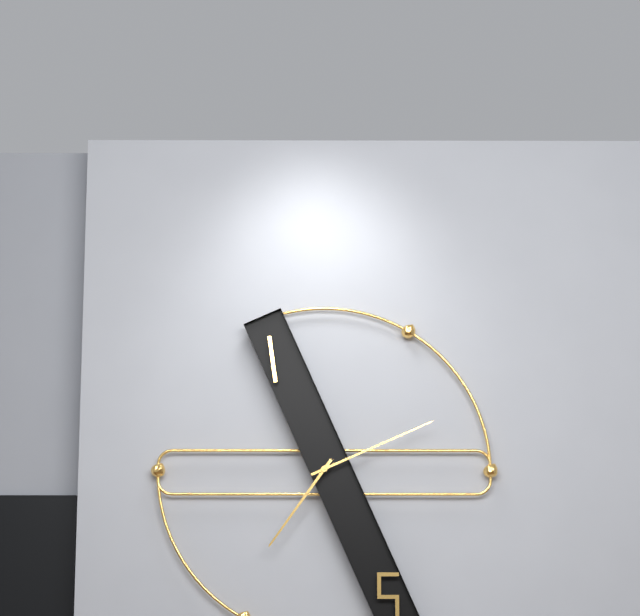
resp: 7,11
